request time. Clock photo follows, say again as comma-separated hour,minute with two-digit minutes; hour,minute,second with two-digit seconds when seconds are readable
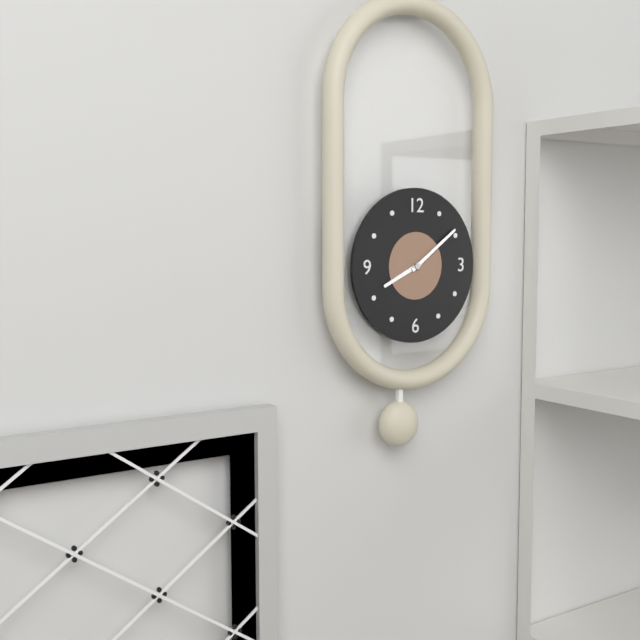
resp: 8,09
